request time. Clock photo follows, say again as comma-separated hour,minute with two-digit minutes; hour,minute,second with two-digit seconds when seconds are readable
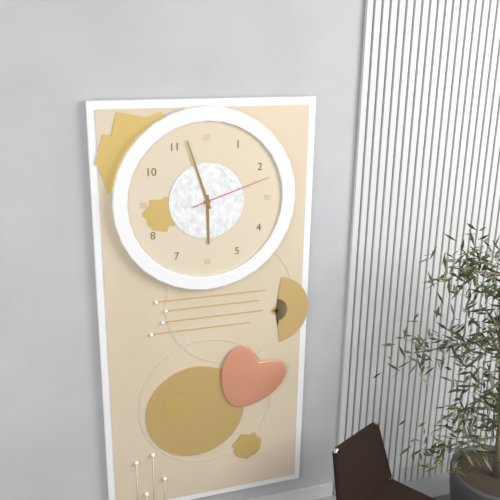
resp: 5,57,12
